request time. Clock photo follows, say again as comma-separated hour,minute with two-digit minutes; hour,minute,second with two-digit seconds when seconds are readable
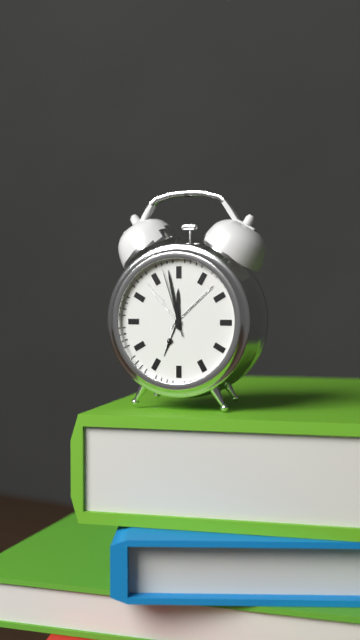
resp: 11,58,57
